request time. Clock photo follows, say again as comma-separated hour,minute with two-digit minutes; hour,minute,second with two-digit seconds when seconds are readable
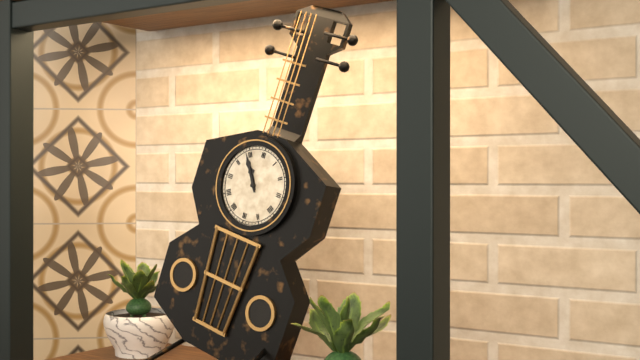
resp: 10,54
